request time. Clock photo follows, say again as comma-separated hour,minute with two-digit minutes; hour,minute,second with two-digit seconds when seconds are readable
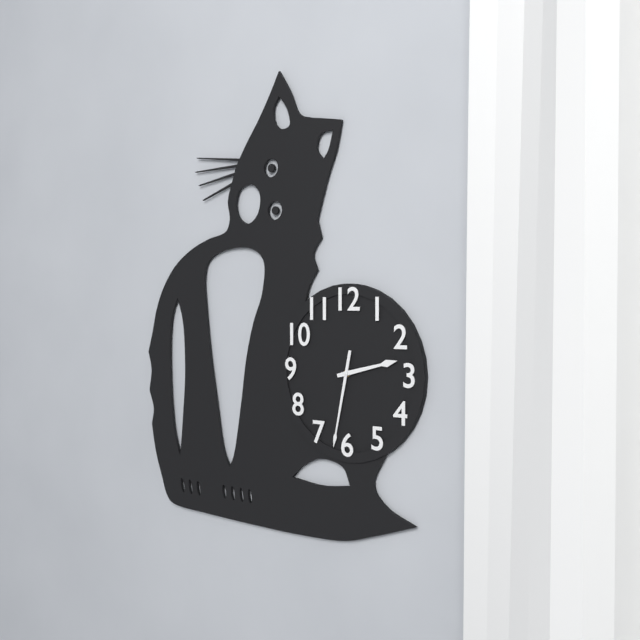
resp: 2,32
